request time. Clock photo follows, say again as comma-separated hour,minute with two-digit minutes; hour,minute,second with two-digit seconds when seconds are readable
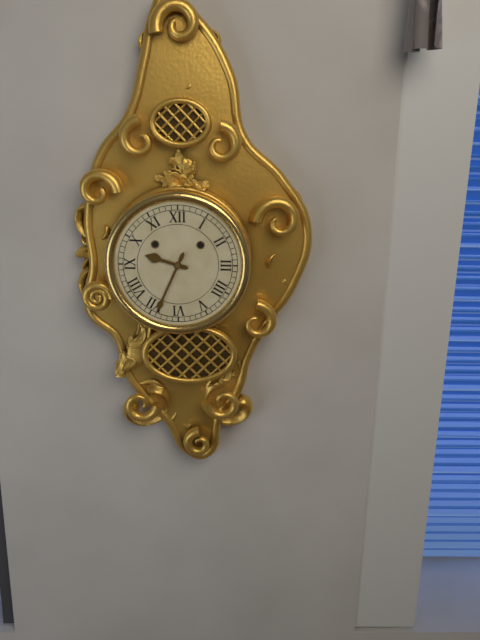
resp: 9,34
